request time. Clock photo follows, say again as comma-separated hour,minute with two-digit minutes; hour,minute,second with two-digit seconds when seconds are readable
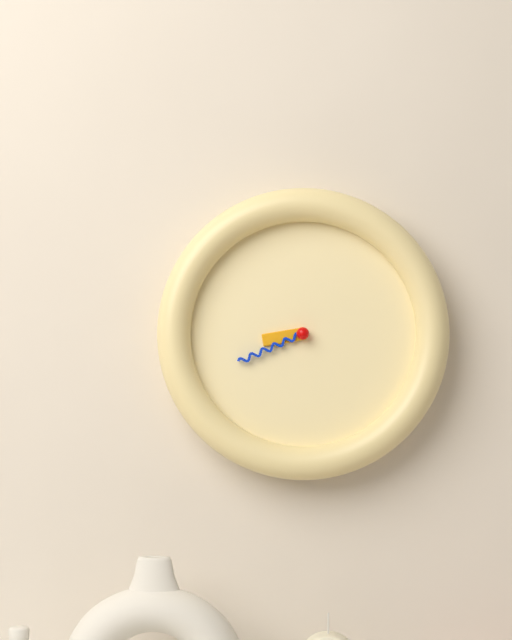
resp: 8,41
